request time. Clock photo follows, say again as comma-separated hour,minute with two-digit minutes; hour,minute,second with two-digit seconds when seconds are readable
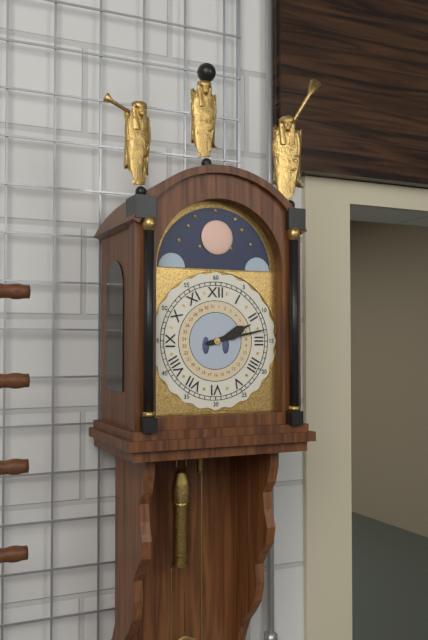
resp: 2,13
